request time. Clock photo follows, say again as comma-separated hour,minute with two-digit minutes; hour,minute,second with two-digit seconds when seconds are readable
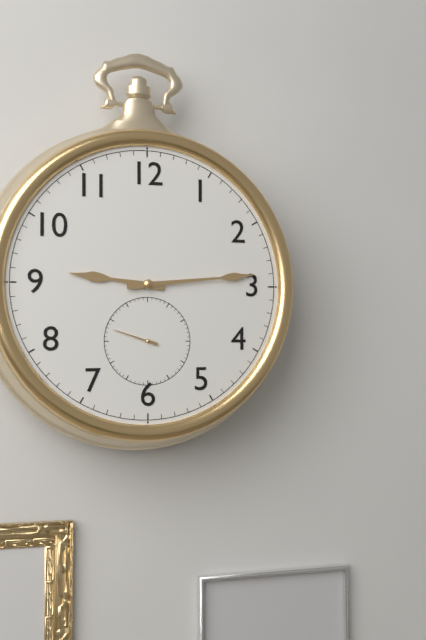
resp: 9,14
